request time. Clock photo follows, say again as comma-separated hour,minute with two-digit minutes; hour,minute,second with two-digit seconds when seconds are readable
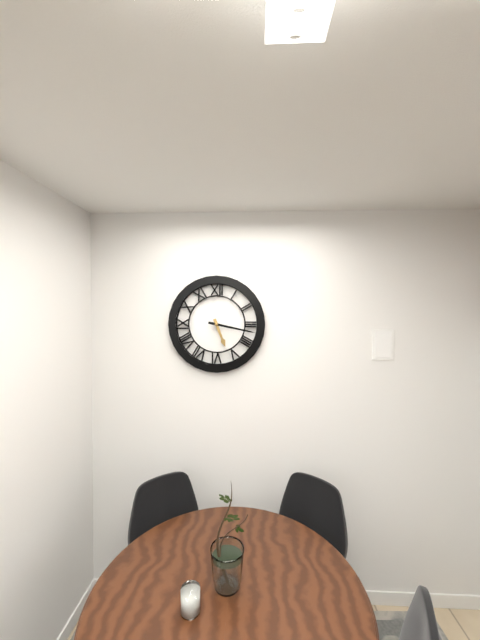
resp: 5,17
